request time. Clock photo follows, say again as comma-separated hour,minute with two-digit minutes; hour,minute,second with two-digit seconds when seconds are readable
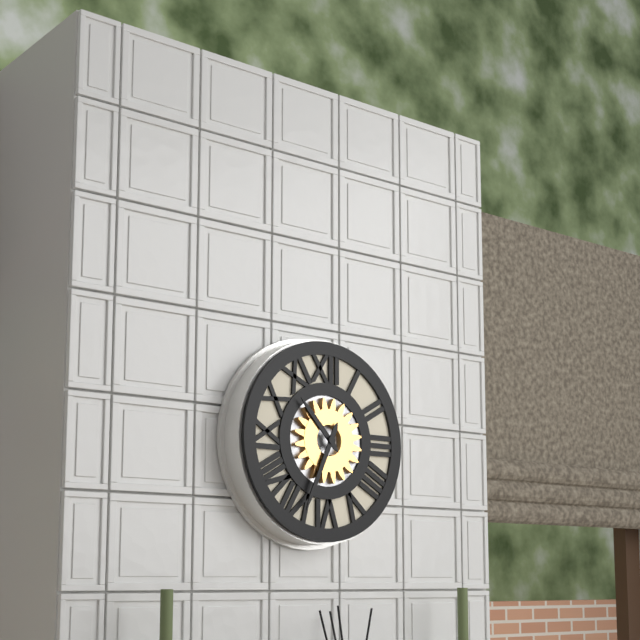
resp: 10,34
